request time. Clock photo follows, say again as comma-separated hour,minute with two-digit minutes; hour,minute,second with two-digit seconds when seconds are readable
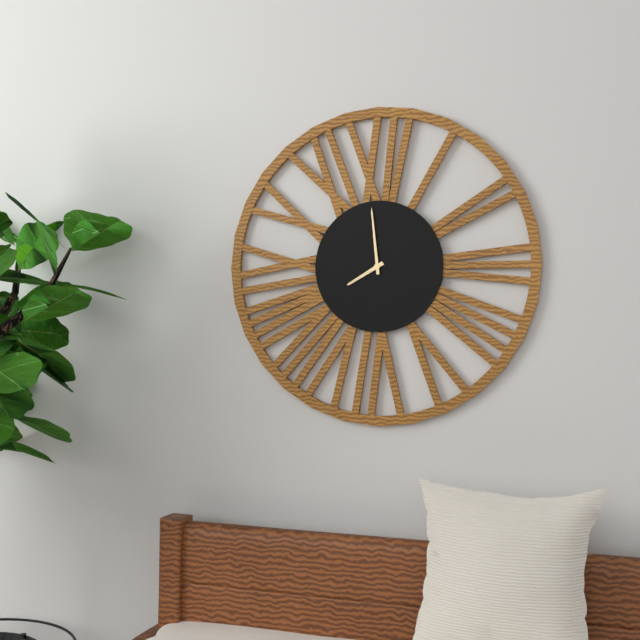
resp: 7,59
